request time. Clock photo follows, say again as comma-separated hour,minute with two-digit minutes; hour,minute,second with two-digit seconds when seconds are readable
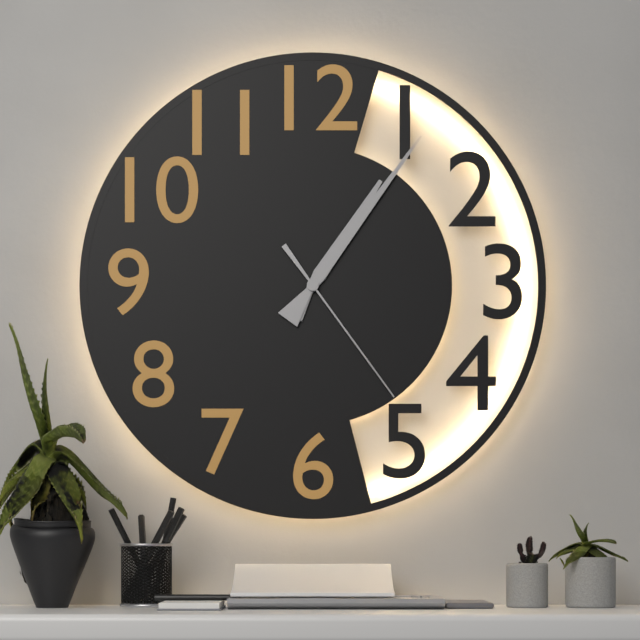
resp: 1,06,24
